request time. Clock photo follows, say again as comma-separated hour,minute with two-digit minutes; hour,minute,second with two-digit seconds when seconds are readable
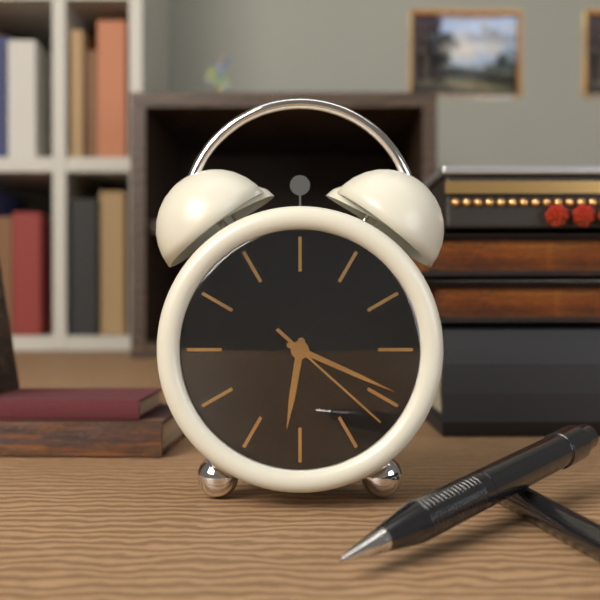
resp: 6,19,22
